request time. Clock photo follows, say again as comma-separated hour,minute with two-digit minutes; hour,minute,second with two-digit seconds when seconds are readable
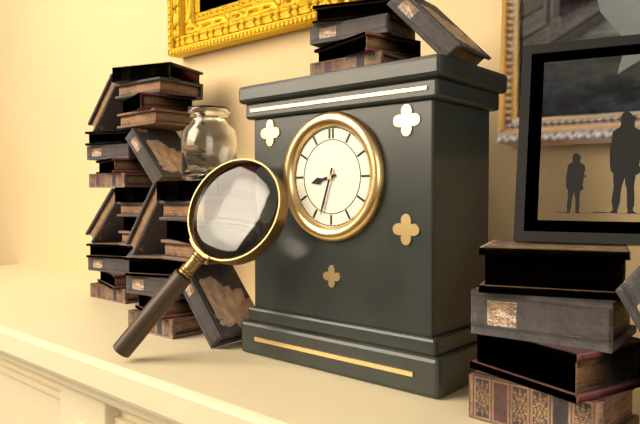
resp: 8,33
